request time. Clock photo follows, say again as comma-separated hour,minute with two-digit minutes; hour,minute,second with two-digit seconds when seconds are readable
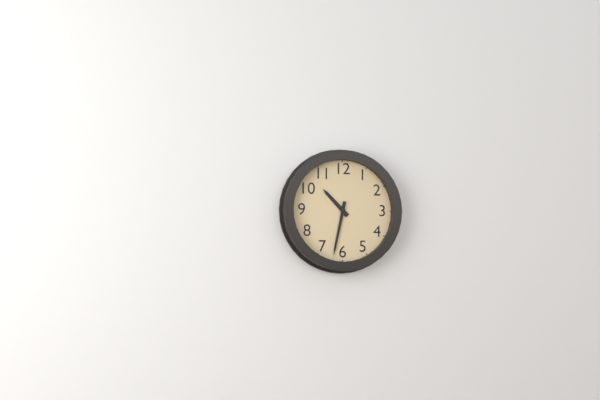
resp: 10,32
